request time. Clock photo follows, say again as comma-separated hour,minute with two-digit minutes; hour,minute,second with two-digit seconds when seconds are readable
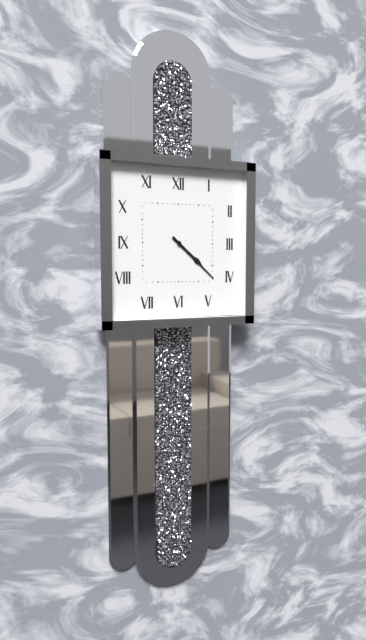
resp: 4,22
